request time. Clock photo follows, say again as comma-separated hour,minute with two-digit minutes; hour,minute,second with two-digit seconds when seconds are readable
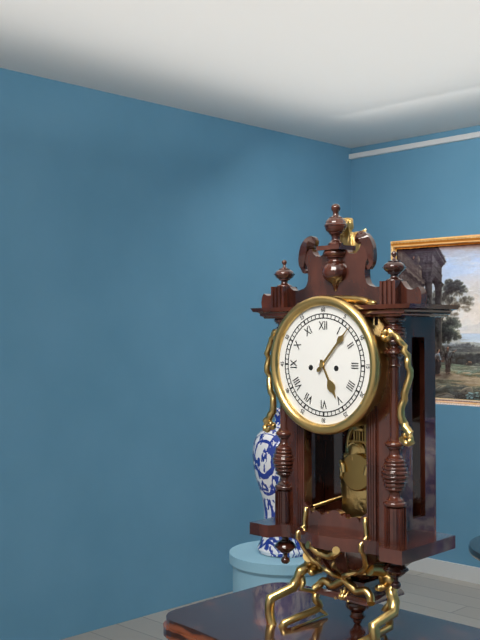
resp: 5,07
